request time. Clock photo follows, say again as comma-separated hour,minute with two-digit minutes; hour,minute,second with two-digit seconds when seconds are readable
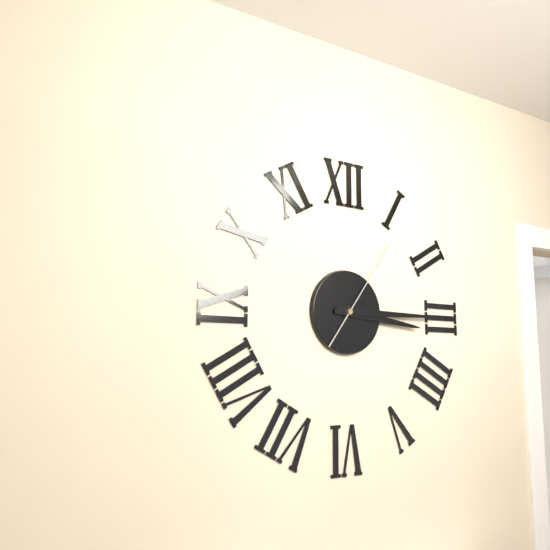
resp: 3,15,06
